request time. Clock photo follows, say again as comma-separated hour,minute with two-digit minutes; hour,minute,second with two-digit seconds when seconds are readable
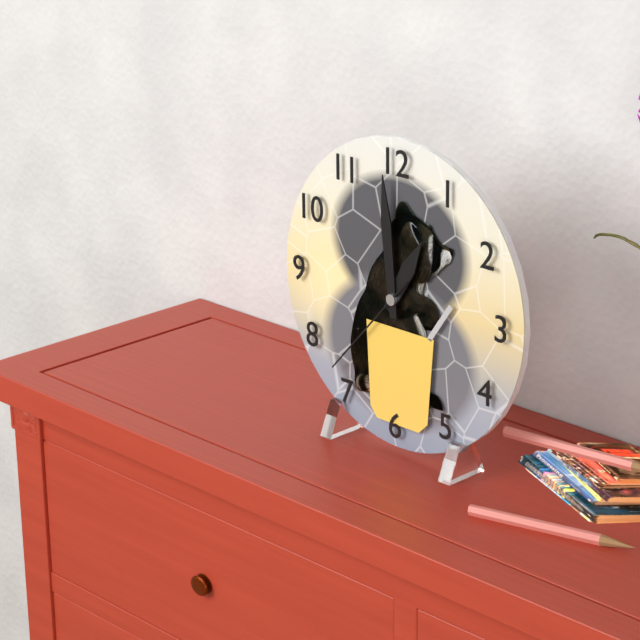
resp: 12,59,37
